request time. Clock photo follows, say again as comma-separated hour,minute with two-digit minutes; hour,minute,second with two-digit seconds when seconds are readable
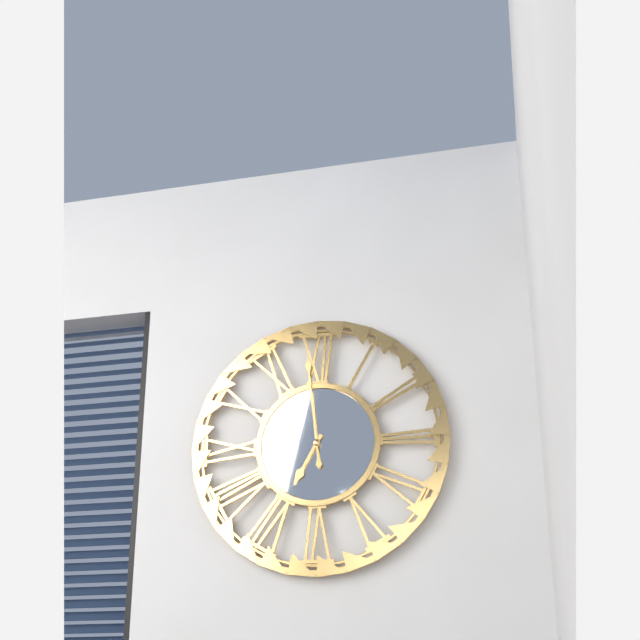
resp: 6,59
